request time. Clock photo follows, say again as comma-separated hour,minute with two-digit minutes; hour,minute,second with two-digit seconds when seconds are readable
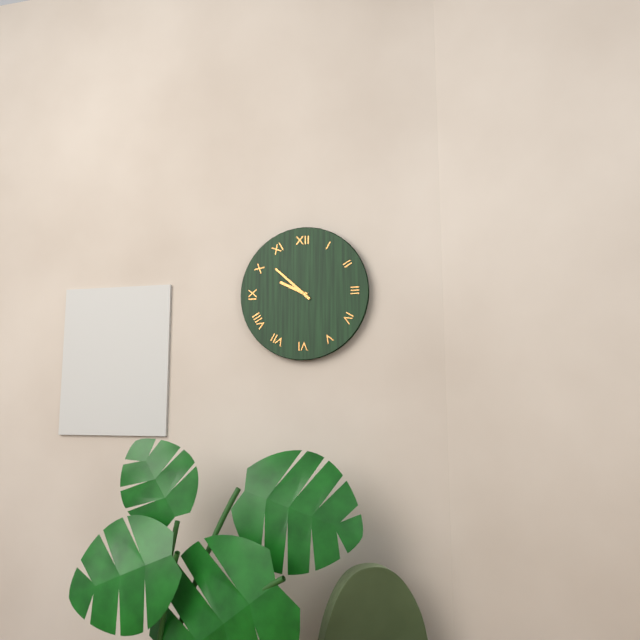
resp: 9,52
